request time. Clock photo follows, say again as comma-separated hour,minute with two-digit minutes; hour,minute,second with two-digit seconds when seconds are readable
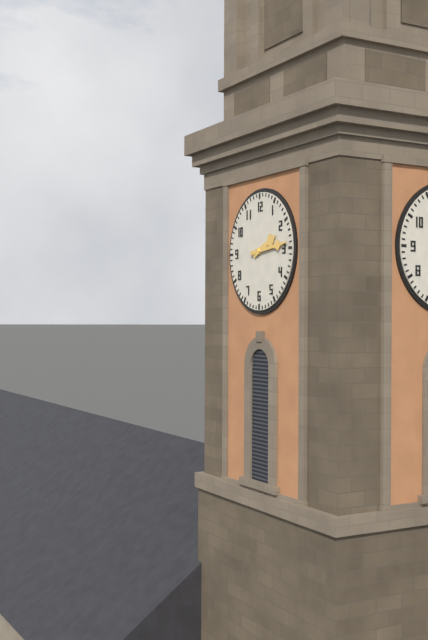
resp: 2,14
